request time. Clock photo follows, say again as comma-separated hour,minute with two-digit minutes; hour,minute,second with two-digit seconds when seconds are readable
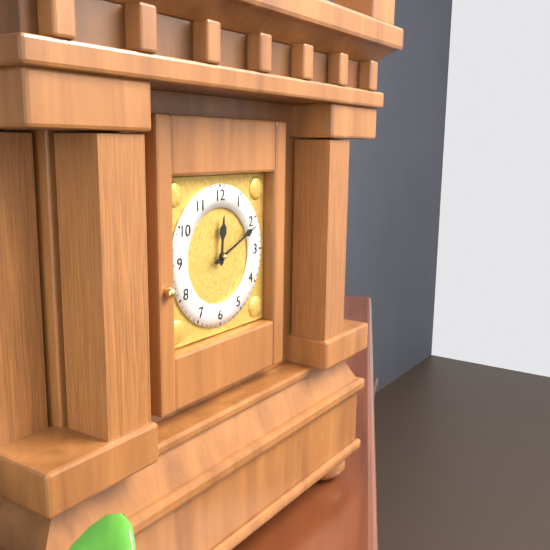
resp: 12,11
